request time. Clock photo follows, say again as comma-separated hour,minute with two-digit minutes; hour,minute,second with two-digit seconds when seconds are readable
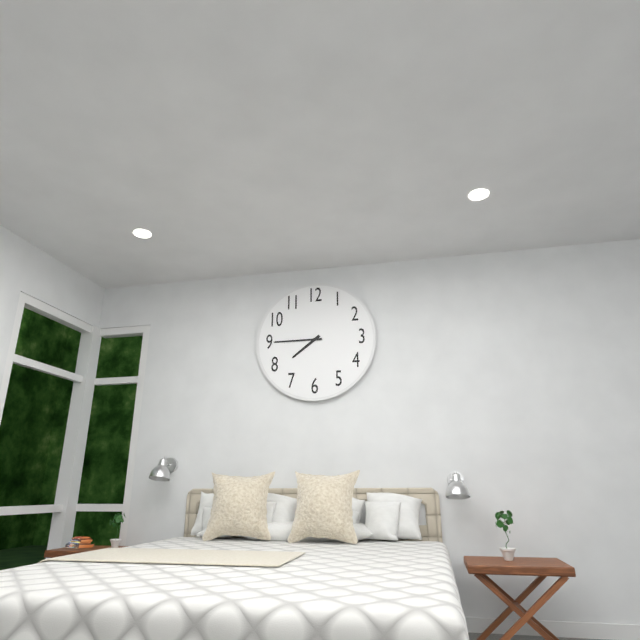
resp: 7,45
